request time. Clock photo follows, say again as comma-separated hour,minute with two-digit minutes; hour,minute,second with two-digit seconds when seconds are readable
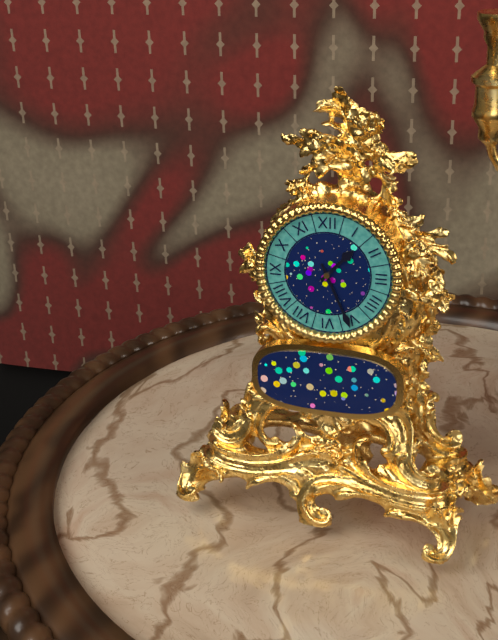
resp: 1,26
